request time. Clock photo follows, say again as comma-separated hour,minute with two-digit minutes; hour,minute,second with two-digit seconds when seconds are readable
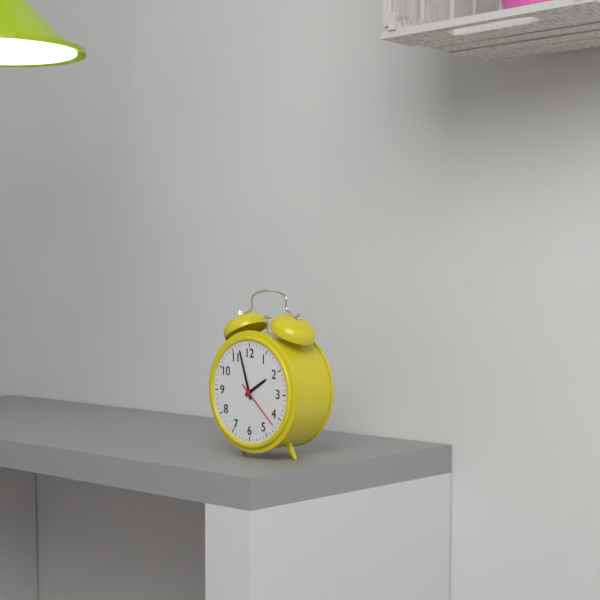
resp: 1,57,22
